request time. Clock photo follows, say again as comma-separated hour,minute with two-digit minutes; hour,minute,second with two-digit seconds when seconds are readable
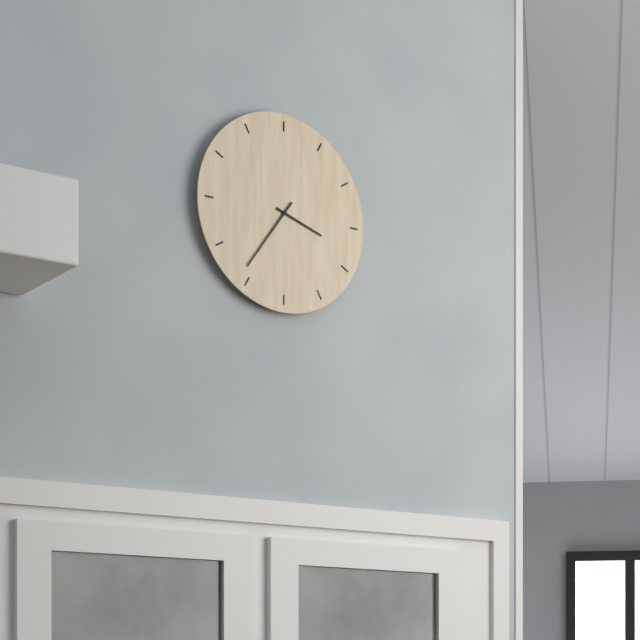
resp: 3,36
